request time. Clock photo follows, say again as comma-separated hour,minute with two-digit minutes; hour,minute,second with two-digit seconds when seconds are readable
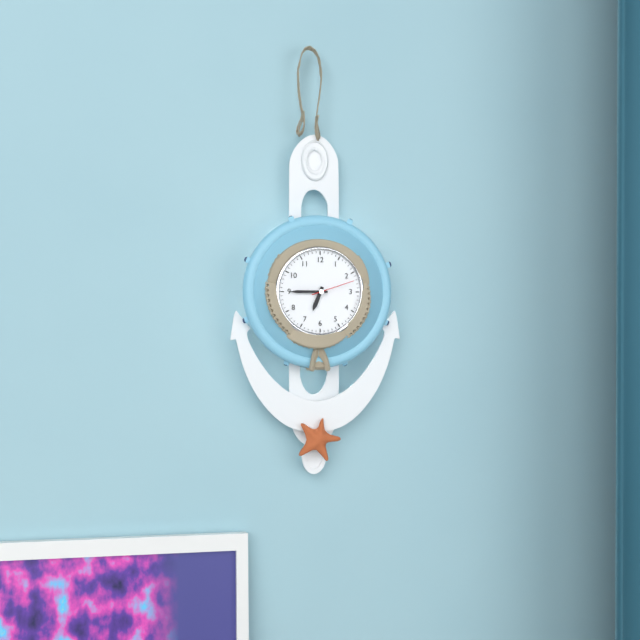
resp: 6,45
